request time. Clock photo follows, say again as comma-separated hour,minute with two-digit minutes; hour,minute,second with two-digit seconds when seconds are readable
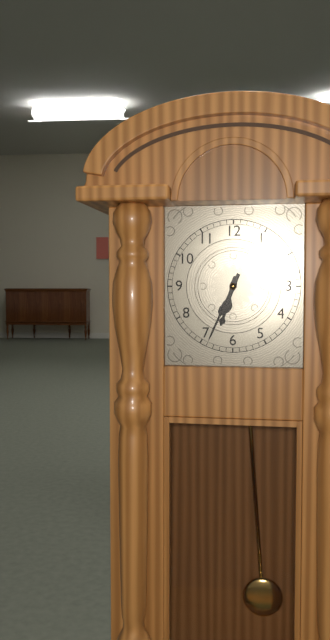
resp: 6,34
